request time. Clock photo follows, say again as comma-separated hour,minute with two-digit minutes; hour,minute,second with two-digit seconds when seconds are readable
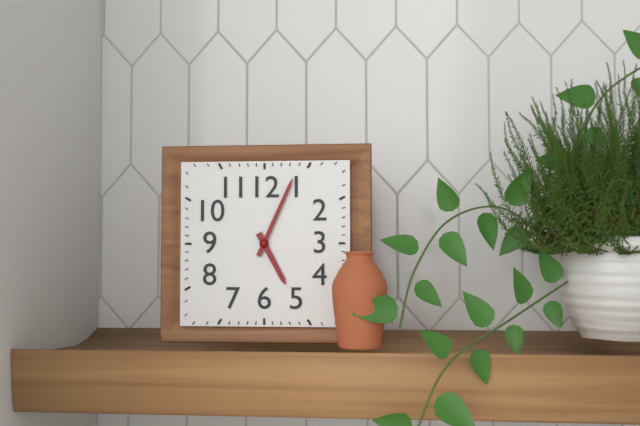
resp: 5,04
